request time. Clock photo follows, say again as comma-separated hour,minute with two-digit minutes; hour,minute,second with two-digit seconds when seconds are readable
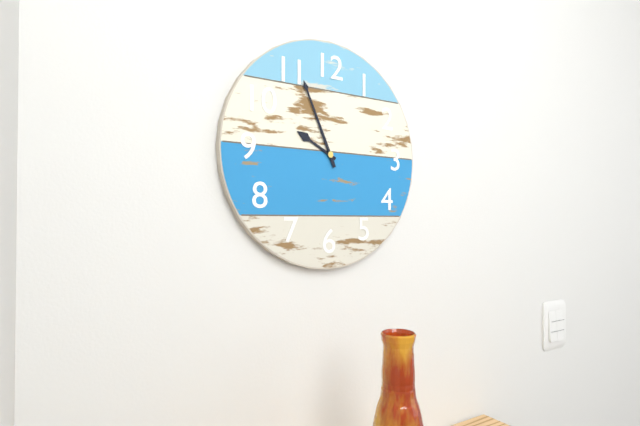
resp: 9,56
